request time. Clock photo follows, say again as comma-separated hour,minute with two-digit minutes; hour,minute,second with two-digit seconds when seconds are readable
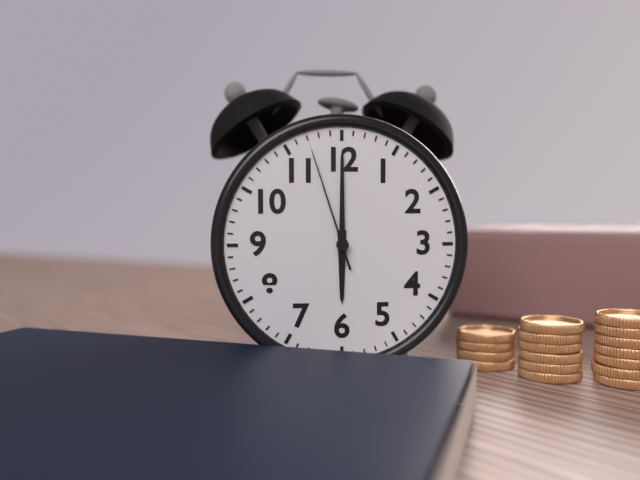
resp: 6,00,57
